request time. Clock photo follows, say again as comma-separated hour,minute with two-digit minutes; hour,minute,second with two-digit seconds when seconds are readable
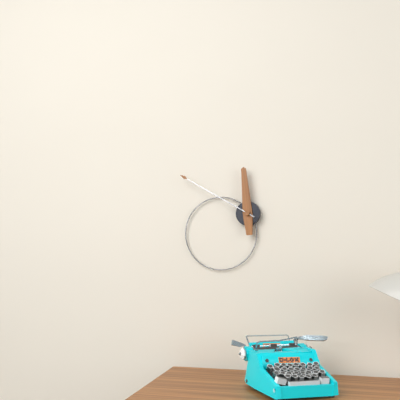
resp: 11,50
